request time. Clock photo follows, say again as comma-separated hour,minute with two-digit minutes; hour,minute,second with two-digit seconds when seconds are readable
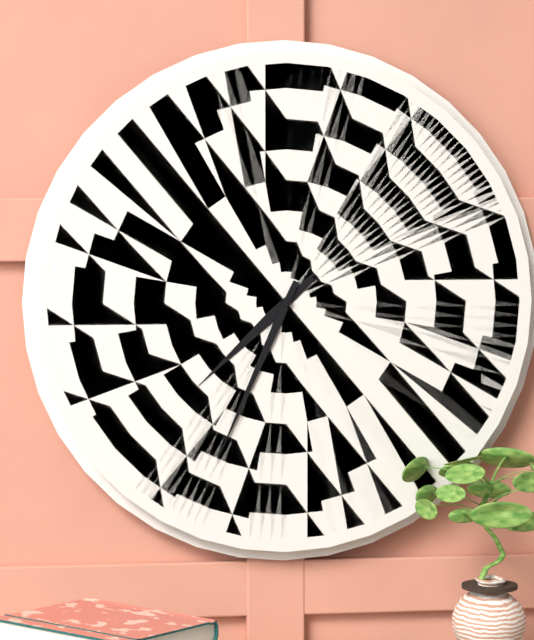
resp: 7,34
